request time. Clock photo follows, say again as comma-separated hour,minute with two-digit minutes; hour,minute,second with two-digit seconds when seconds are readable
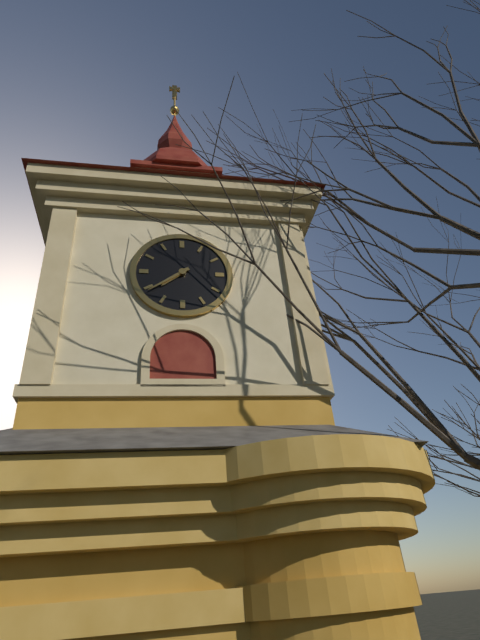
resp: 7,39
